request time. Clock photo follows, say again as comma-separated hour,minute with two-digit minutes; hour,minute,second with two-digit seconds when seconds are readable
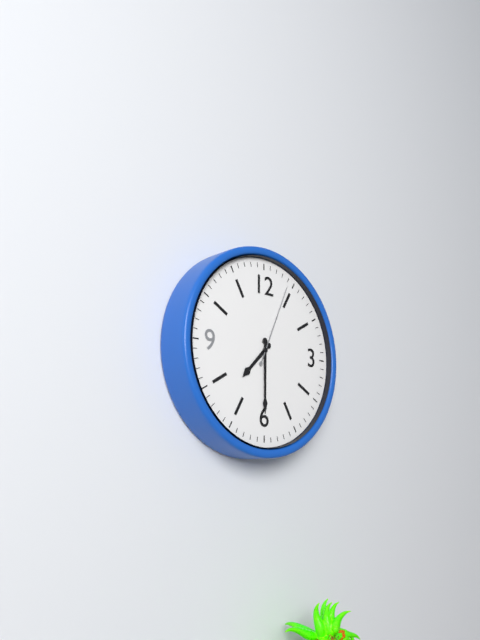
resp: 7,30,04
